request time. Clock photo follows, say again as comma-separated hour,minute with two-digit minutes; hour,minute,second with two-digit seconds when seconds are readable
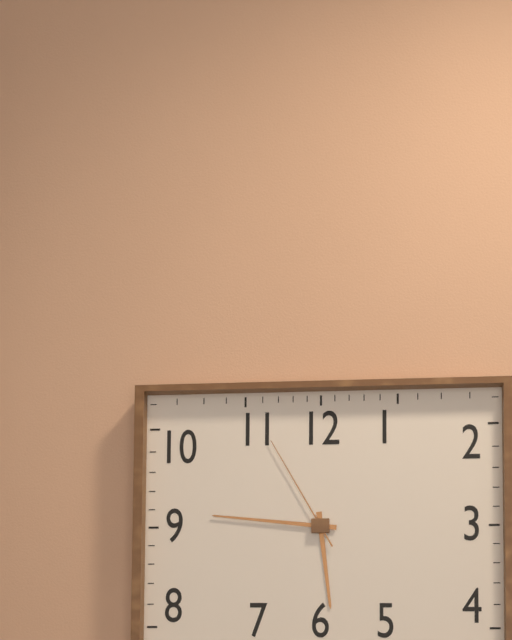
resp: 5,46,55
